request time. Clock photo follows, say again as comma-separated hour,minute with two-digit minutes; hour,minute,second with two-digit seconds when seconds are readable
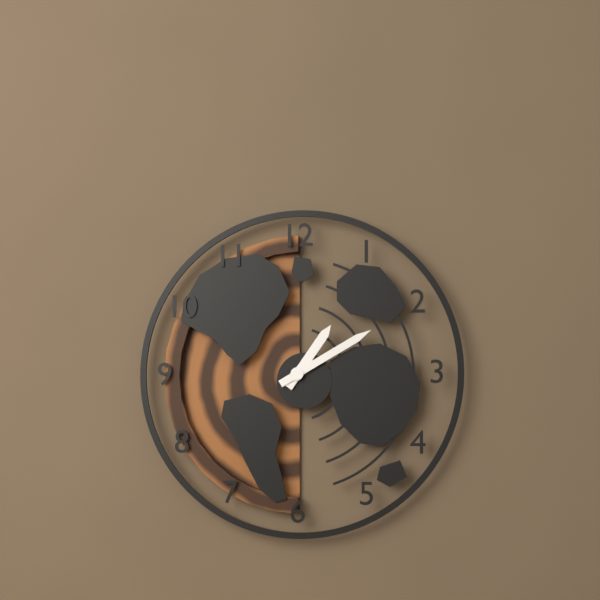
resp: 1,10
